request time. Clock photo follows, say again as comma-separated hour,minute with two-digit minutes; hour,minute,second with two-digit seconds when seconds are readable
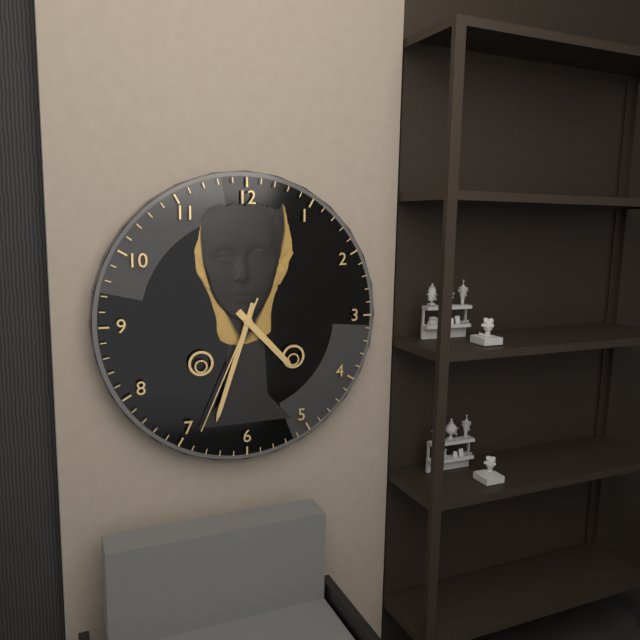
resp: 4,33,34
